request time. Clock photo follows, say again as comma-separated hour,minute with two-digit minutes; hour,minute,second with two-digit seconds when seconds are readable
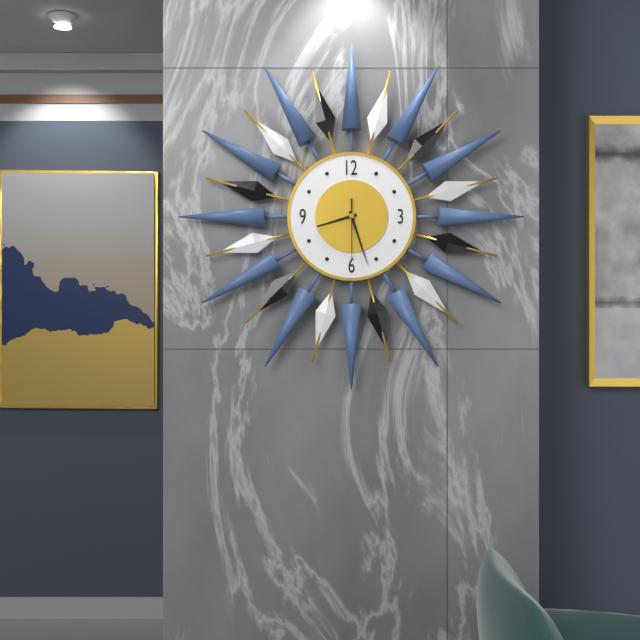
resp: 8,27,30
